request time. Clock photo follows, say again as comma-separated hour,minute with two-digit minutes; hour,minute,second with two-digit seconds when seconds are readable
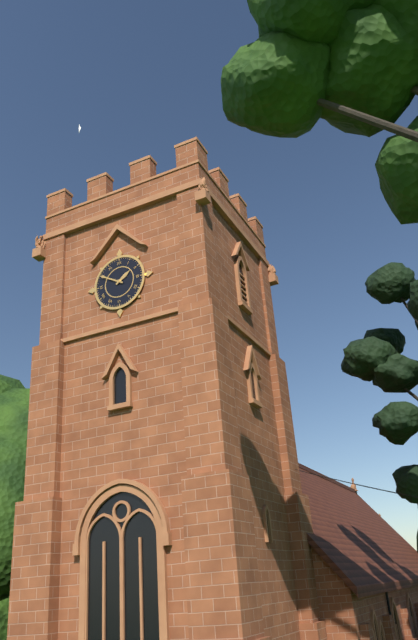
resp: 1,50
